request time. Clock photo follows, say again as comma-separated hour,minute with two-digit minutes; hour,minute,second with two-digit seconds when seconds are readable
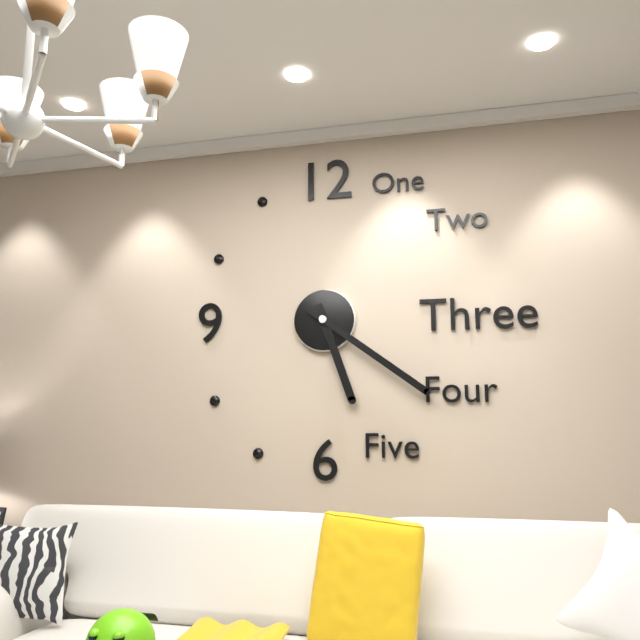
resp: 5,21
